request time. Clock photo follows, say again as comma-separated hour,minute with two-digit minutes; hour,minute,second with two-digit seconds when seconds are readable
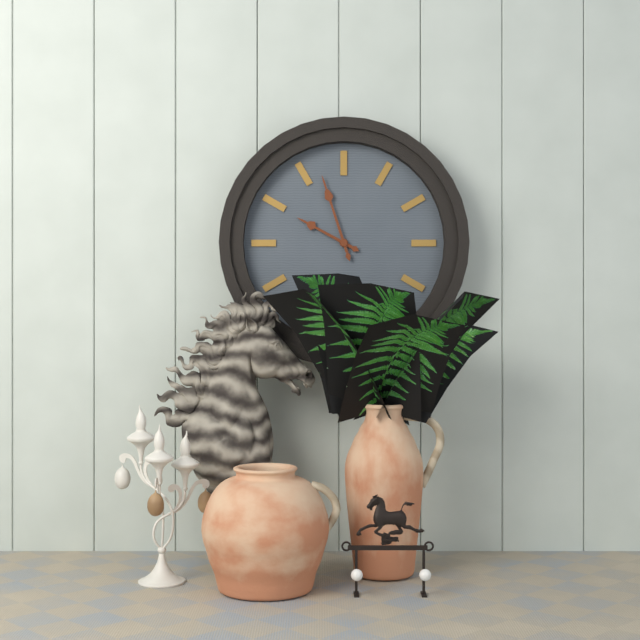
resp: 9,57
